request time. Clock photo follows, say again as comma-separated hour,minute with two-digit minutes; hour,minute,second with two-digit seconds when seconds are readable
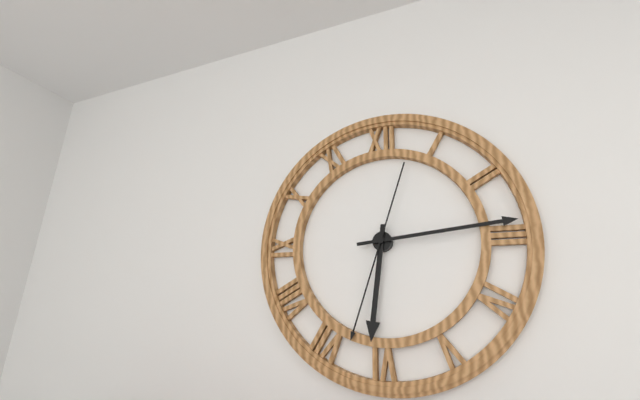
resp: 6,14,33
